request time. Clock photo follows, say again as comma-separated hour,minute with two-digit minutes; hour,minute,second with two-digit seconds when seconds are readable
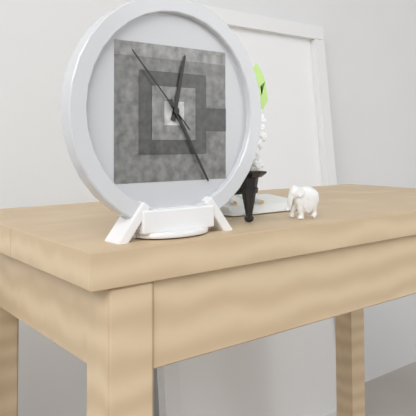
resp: 12,25,53
